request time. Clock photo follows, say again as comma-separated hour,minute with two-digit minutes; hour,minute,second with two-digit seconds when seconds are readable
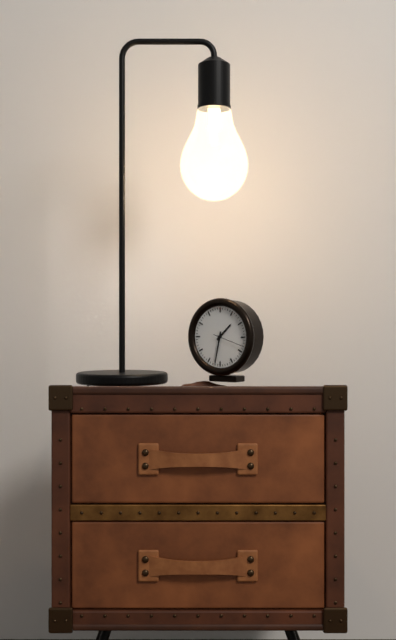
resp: 1,32
